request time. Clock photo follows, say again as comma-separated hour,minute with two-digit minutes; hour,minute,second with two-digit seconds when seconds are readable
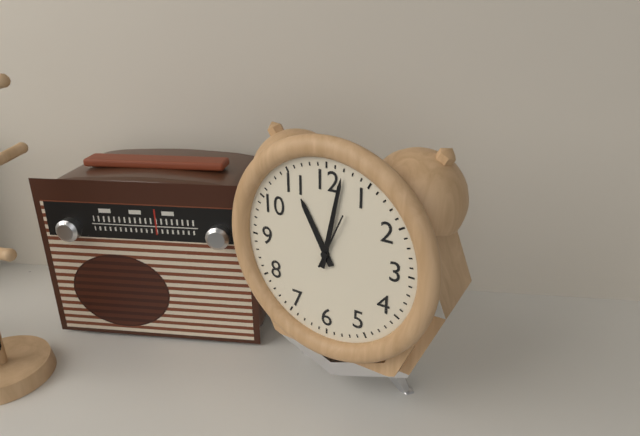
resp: 11,02,04
